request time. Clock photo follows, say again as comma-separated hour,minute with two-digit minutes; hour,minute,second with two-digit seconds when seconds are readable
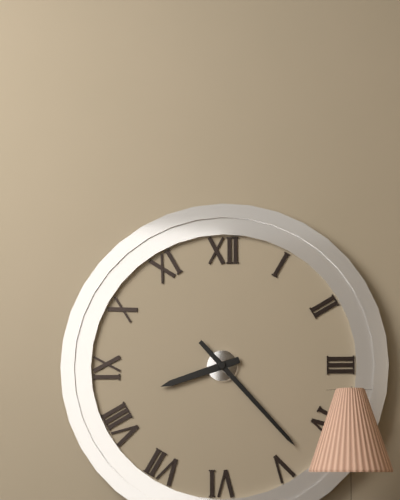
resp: 8,23
